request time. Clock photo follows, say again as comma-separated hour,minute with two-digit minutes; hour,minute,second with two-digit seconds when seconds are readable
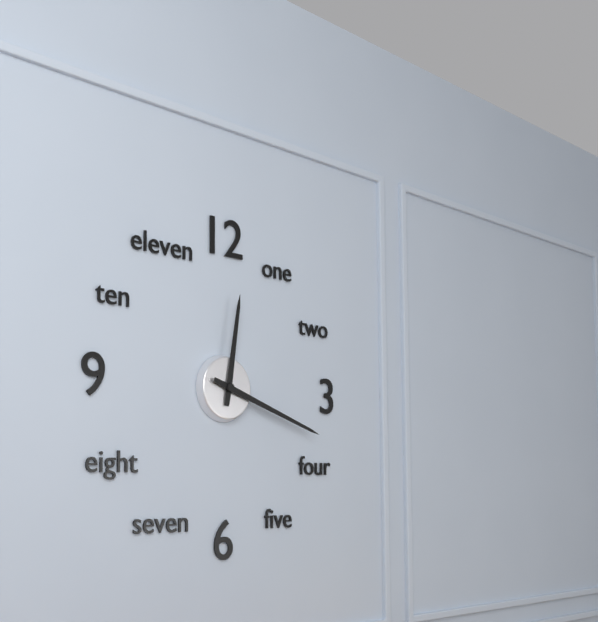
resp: 12,18
